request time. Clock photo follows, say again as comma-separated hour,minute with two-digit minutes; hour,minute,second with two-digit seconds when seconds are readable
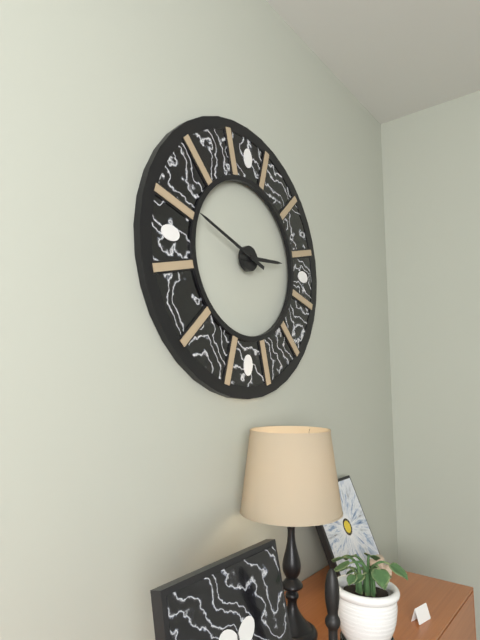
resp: 2,48
